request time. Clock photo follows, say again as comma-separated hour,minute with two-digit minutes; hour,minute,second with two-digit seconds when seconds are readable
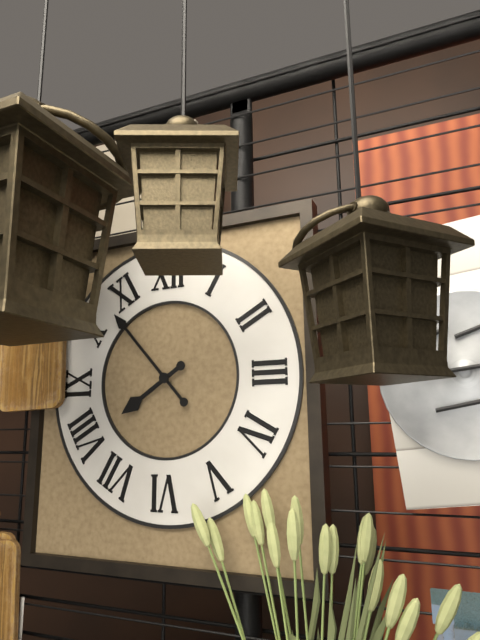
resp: 7,53
